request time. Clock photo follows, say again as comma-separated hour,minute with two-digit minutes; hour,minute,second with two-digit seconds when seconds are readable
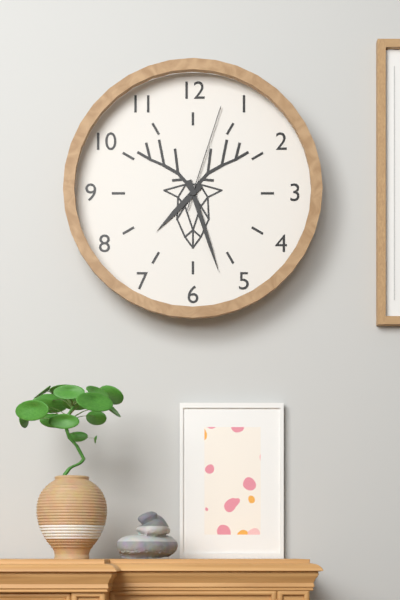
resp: 7,27,03
